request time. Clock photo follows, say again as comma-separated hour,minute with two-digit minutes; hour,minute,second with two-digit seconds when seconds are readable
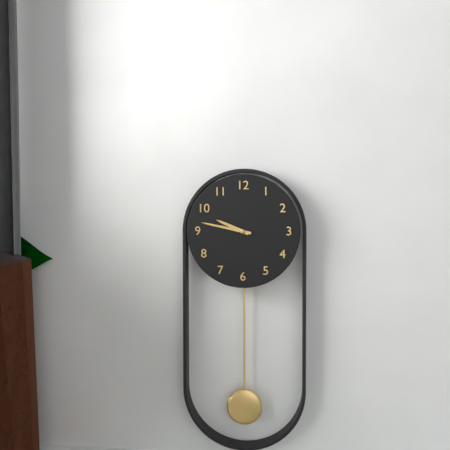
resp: 9,47
